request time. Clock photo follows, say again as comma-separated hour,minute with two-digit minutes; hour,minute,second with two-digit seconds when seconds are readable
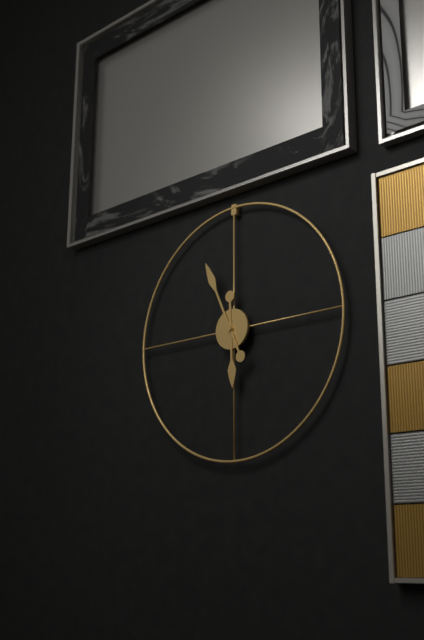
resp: 5,56
